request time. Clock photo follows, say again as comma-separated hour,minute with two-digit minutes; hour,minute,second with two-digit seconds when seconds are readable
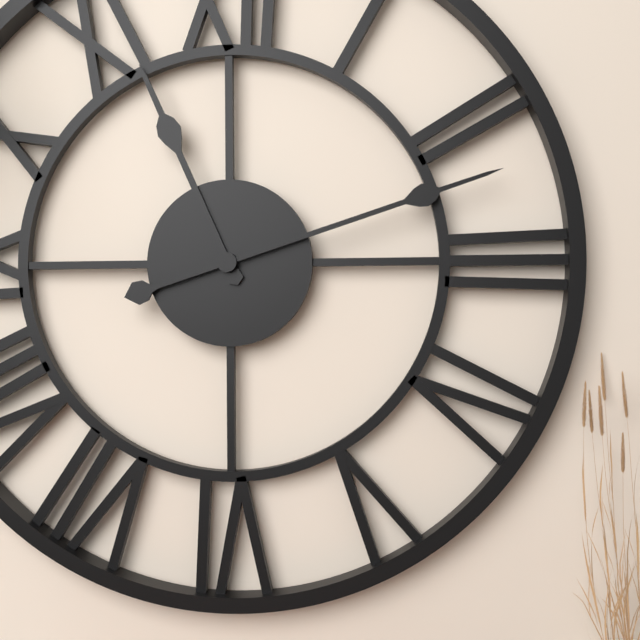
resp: 11,12
